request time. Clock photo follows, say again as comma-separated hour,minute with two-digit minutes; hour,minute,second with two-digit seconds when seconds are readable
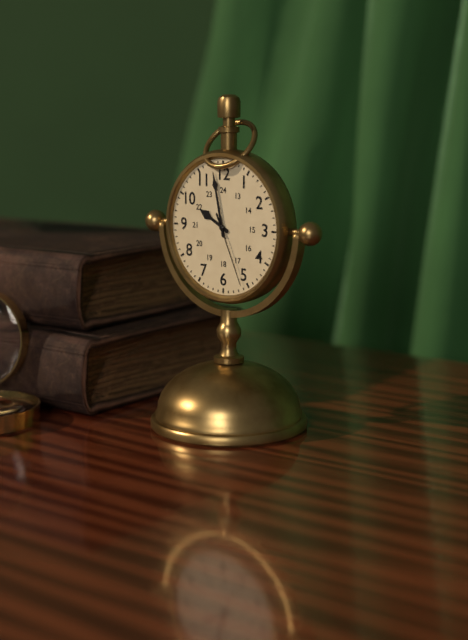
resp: 9,58,26
